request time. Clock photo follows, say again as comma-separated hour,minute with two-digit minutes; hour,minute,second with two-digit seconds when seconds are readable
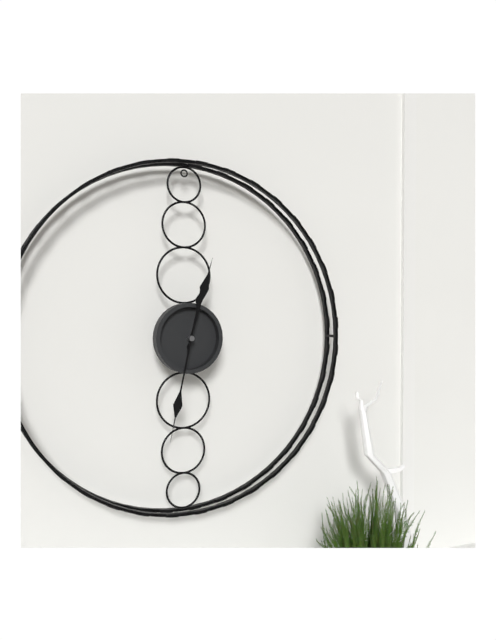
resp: 12,32
